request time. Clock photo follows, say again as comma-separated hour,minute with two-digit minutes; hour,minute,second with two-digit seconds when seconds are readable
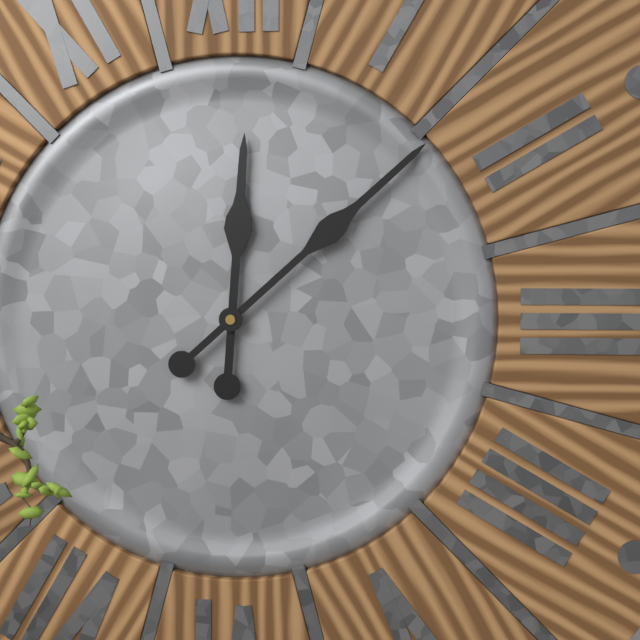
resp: 12,08
